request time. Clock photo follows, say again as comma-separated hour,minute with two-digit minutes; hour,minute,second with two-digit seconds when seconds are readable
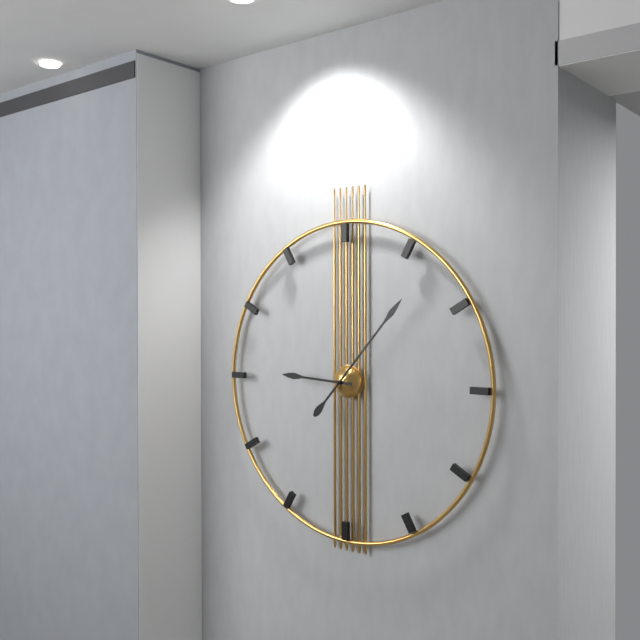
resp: 9,07
